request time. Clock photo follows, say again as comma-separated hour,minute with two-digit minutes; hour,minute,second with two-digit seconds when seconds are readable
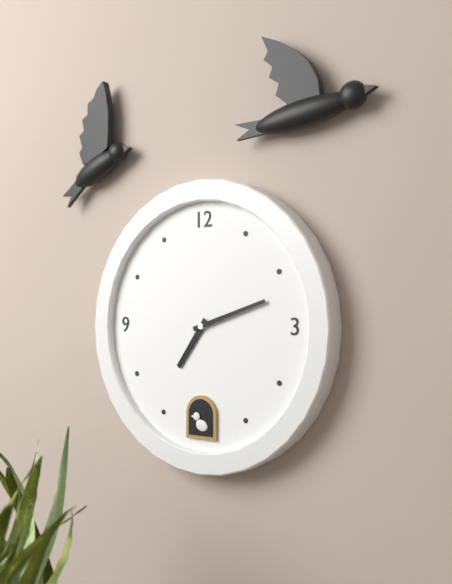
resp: 7,12
